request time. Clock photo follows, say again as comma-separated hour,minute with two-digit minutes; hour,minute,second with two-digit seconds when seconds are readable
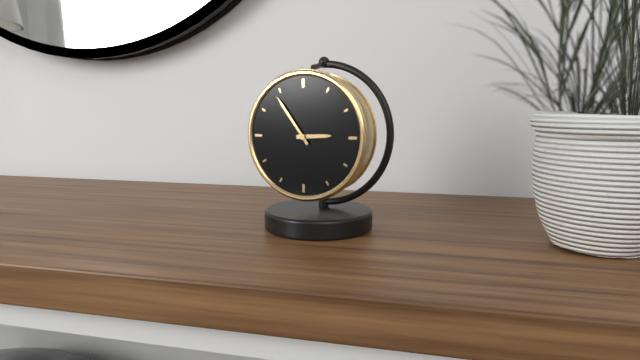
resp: 2,54
